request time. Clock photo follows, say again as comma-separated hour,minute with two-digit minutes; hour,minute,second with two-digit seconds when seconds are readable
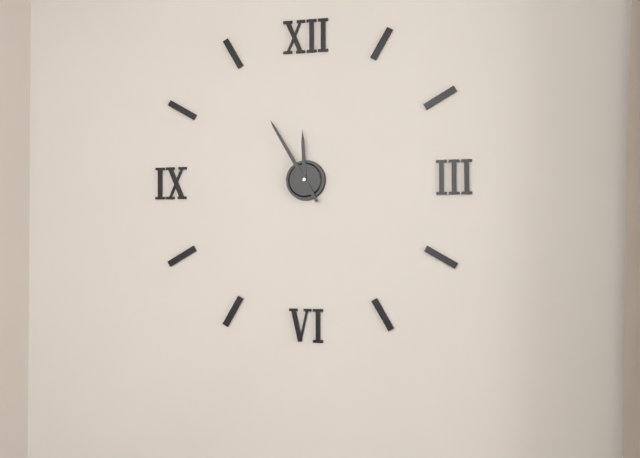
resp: 11,55
